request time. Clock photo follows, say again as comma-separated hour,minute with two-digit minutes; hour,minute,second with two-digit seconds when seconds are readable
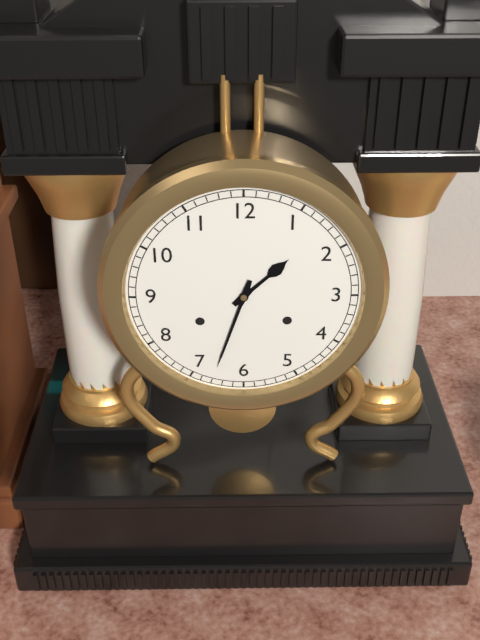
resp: 1,33
